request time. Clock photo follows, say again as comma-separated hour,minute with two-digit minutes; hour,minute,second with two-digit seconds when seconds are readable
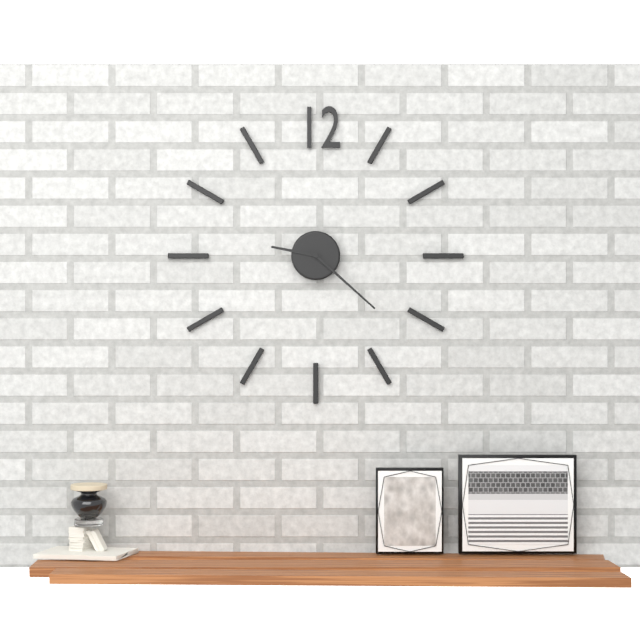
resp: 9,22
